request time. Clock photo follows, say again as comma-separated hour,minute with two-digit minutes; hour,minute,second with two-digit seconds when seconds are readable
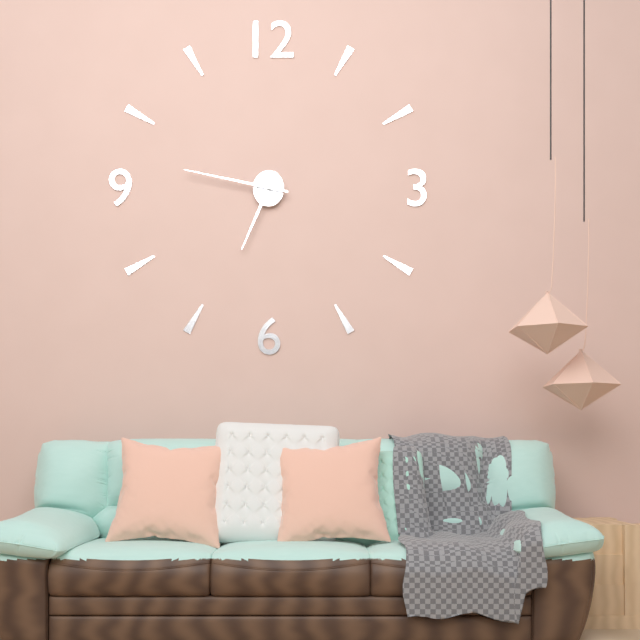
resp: 6,47
